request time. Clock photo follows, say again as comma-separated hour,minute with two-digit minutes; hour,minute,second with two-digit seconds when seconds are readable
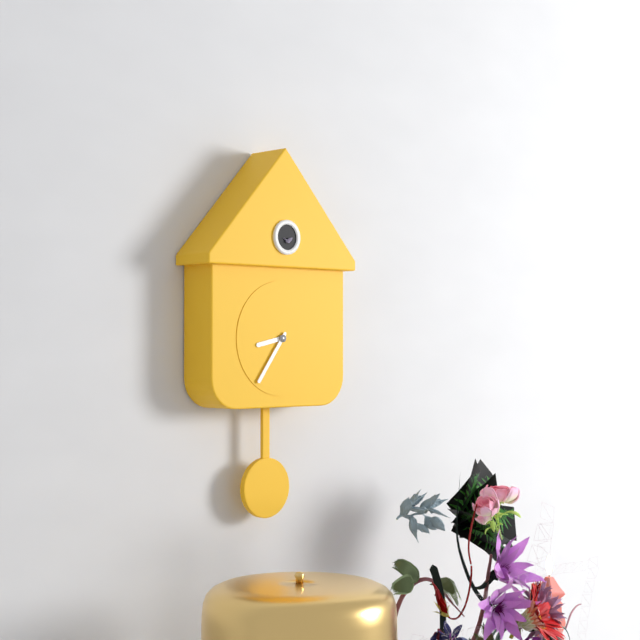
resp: 8,36
